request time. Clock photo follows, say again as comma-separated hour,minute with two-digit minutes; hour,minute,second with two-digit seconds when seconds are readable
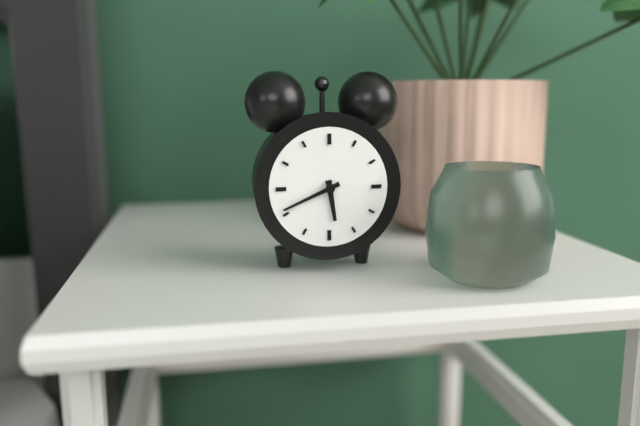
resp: 5,41
